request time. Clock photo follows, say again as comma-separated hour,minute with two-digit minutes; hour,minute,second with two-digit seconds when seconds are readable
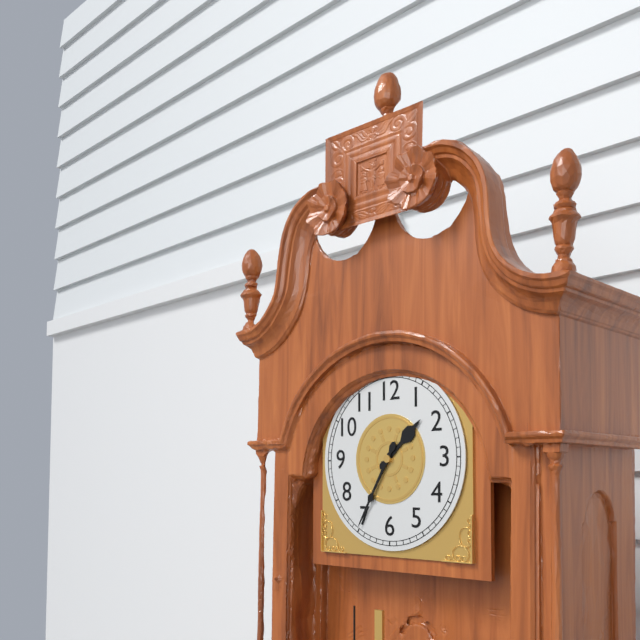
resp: 1,35
